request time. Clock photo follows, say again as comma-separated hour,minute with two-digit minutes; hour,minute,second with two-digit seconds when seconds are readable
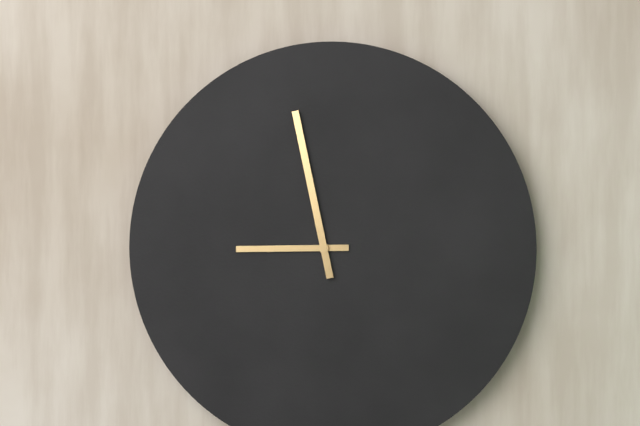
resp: 8,58
